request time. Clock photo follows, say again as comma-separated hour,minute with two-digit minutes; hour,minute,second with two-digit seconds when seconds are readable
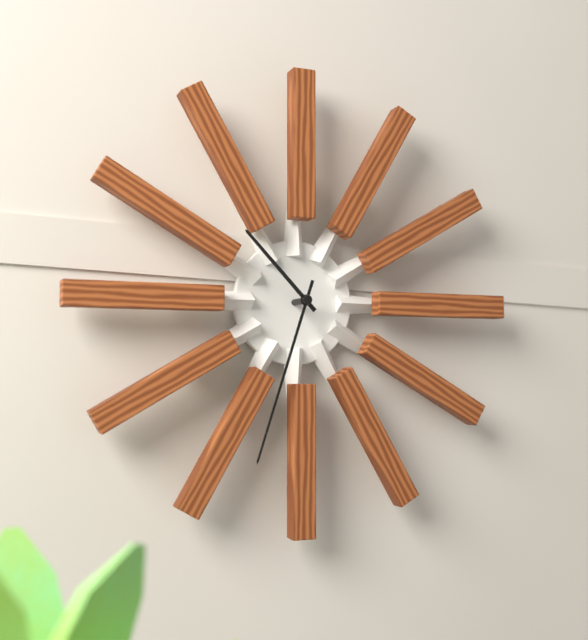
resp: 10,33
